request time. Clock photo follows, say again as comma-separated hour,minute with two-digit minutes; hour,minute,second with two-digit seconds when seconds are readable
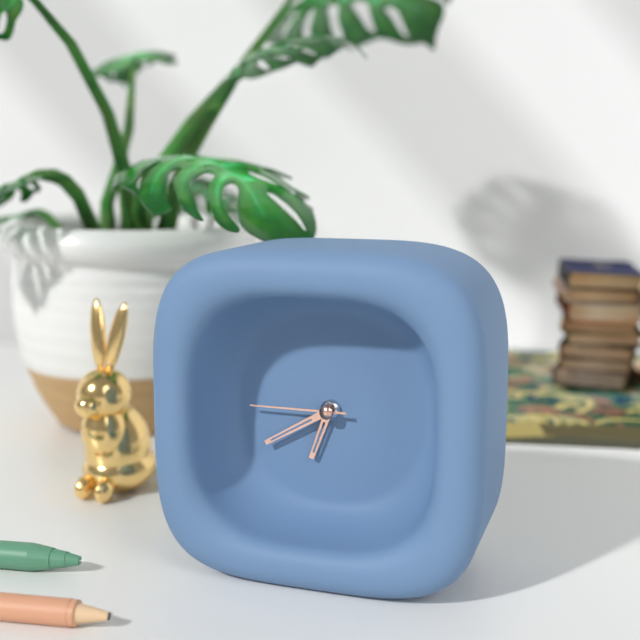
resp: 6,40,45
